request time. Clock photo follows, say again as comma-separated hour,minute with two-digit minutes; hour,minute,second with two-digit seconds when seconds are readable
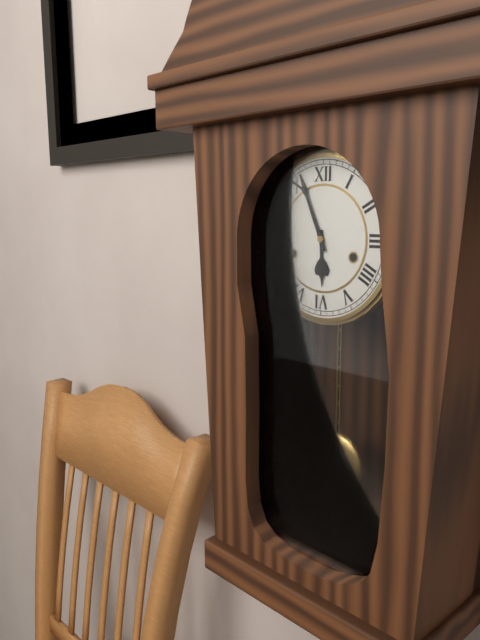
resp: 5,56
